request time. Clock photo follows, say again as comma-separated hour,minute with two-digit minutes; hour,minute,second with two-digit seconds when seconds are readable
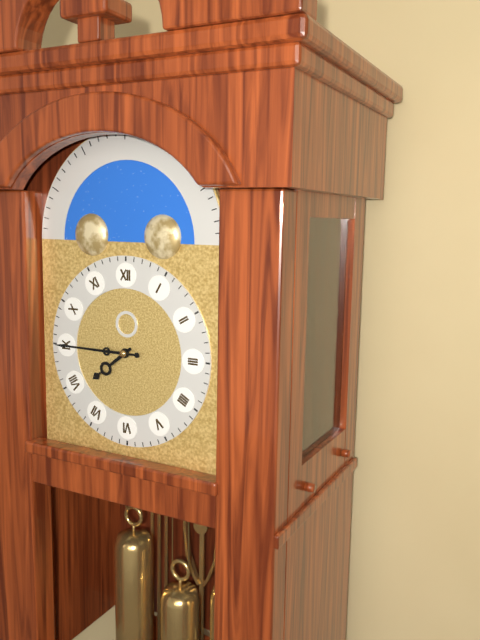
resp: 7,45
